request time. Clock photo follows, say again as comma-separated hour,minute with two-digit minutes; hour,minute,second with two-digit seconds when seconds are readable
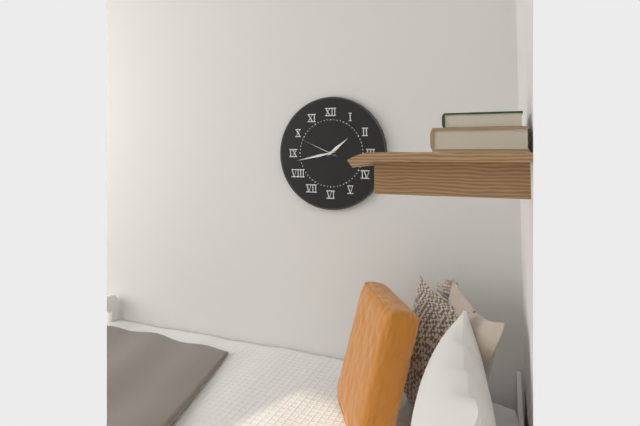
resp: 1,43
